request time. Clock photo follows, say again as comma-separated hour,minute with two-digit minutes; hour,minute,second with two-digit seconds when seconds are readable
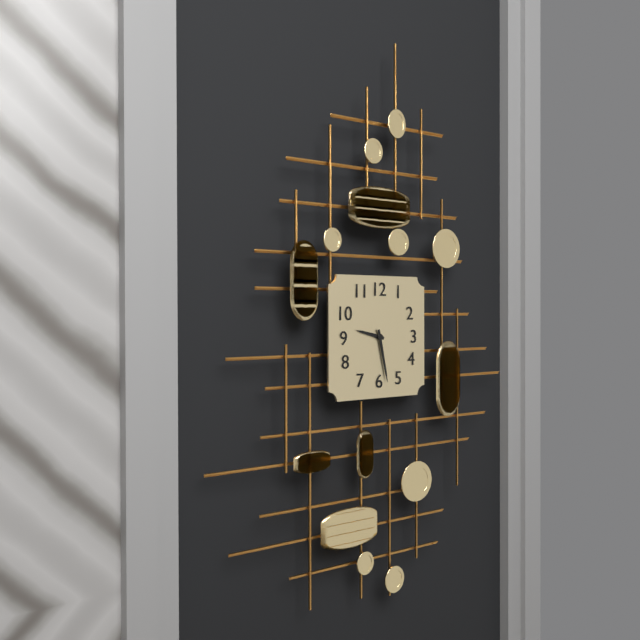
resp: 9,28
